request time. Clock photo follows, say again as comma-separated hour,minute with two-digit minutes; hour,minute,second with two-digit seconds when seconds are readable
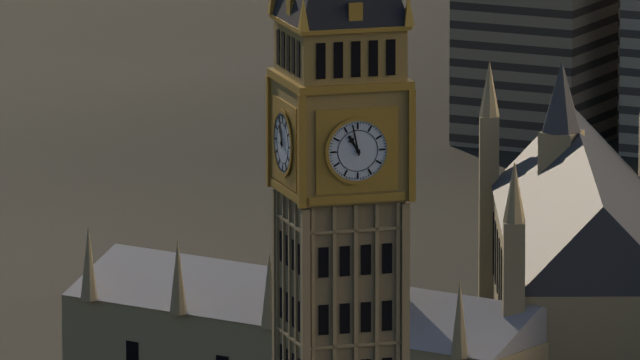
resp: 10,58
